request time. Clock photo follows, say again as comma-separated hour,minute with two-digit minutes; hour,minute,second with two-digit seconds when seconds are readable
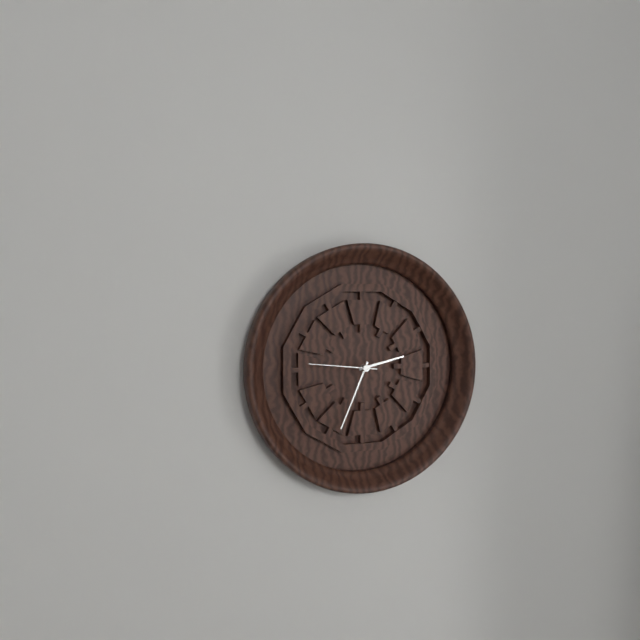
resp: 2,34,46
